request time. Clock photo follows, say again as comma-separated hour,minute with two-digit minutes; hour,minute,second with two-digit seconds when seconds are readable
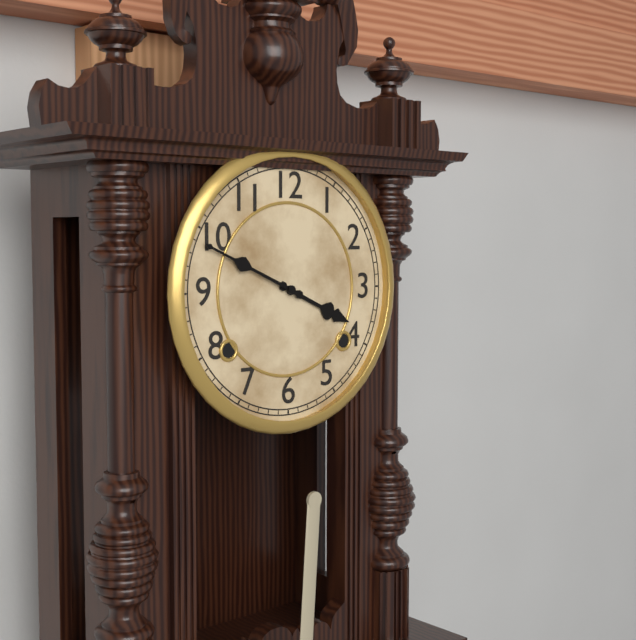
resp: 3,49
